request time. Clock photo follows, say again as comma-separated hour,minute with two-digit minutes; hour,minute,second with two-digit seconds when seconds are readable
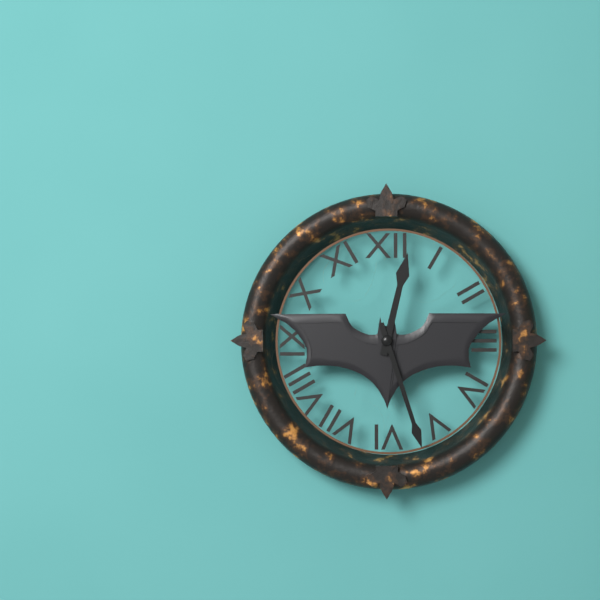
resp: 12,27
